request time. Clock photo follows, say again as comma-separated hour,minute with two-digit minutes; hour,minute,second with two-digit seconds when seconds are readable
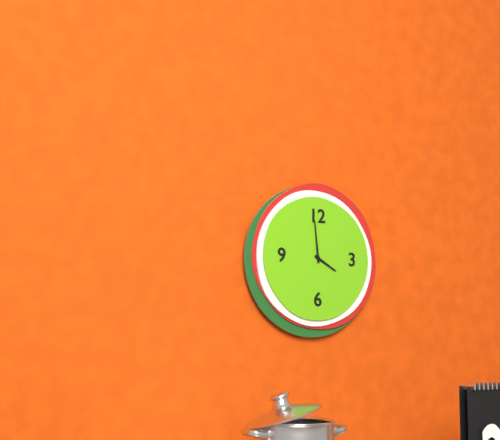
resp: 3,59
